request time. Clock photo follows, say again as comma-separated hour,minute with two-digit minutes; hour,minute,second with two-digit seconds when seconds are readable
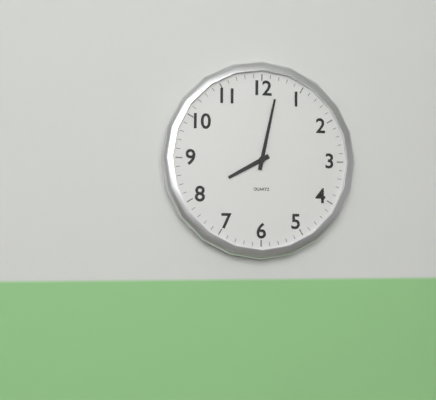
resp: 8,02
